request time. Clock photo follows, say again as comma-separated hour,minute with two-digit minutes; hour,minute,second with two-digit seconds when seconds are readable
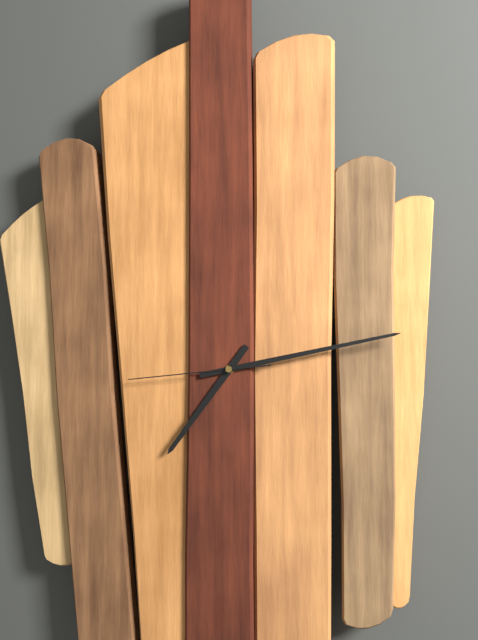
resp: 7,13,44
